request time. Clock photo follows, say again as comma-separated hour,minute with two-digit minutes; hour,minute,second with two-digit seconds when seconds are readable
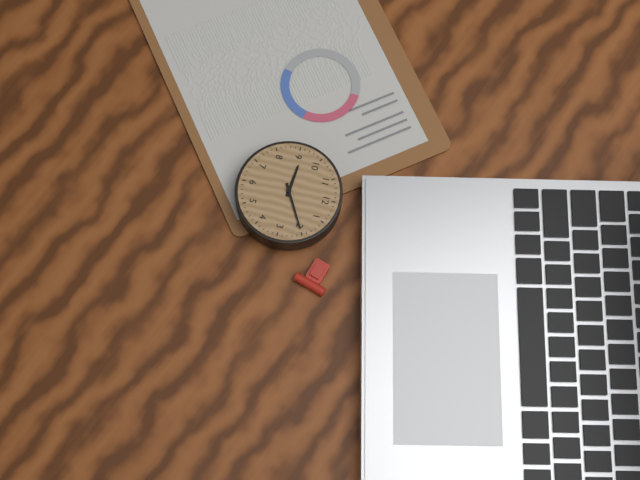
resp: 9,10
